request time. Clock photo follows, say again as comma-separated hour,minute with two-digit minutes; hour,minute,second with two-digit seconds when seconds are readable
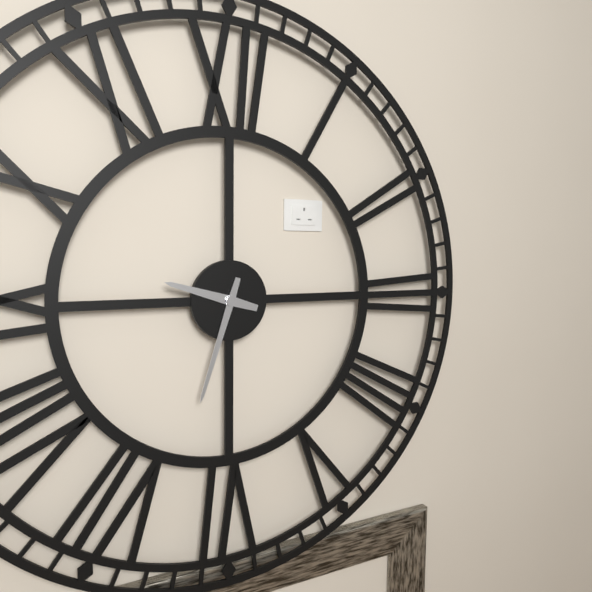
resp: 9,33
